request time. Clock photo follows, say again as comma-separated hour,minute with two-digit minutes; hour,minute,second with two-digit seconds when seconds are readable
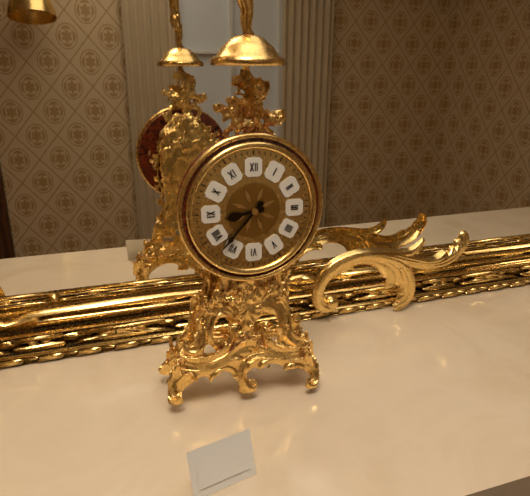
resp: 8,37
